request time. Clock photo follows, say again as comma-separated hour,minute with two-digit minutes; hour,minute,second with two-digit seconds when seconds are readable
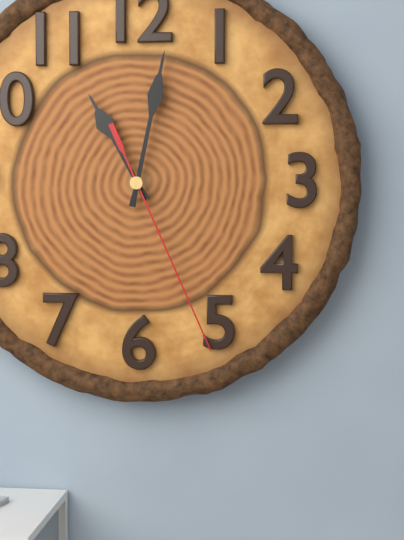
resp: 11,02,26
